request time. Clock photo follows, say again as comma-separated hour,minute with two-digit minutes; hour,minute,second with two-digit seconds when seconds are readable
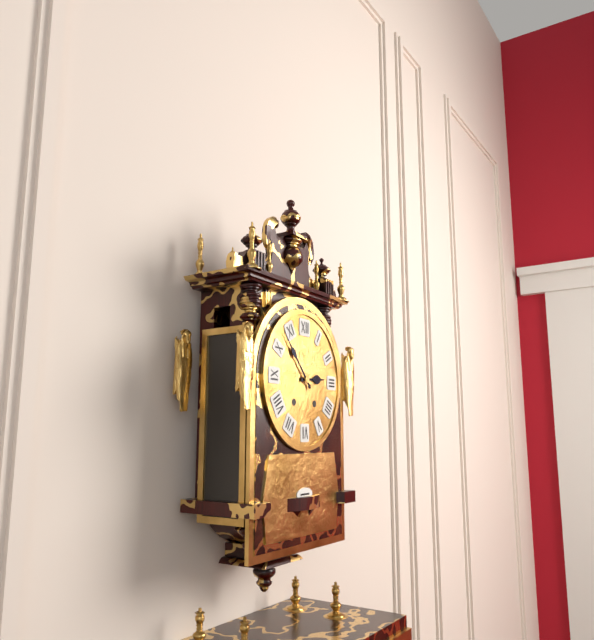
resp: 2,53
